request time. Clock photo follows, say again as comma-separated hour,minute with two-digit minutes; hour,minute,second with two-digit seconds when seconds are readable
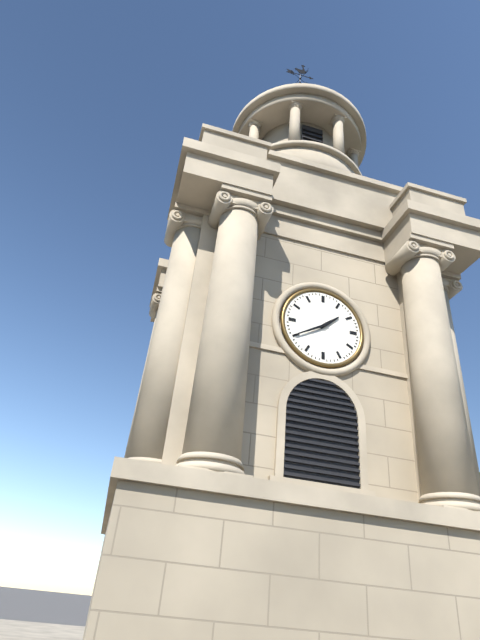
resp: 1,40
